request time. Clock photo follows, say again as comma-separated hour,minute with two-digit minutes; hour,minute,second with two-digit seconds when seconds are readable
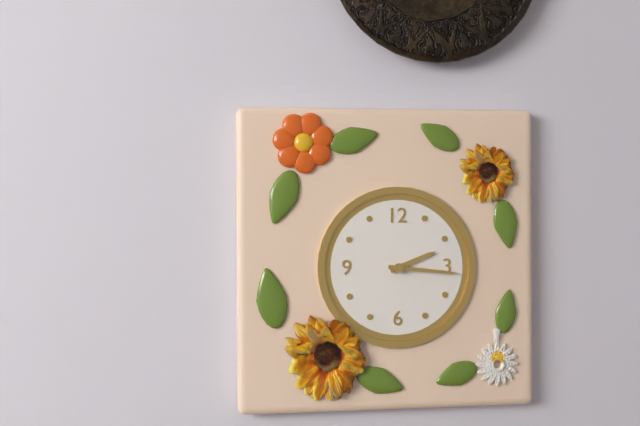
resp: 2,16
